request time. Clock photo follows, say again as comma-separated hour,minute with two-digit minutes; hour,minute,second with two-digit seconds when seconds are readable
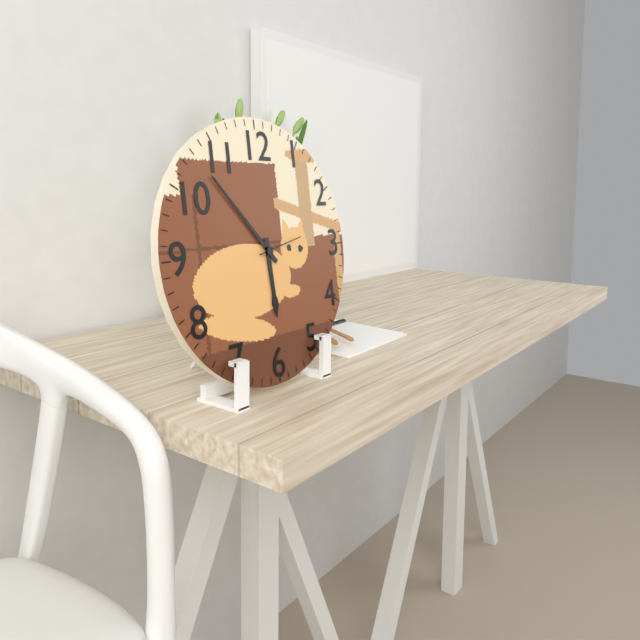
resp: 5,53,13
